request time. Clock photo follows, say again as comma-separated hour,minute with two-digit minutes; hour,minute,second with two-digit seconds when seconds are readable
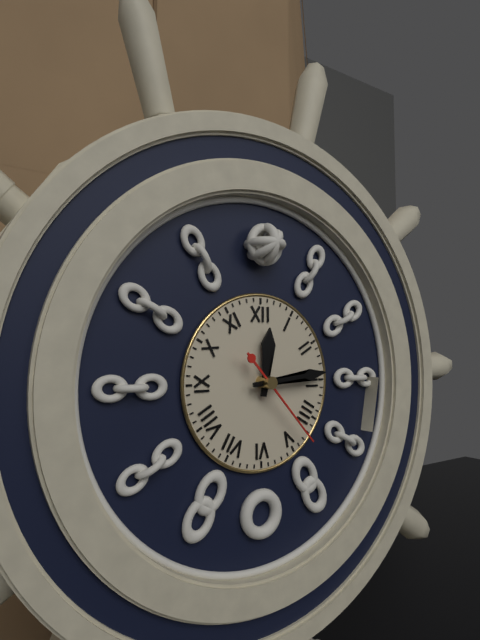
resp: 12,14,23
